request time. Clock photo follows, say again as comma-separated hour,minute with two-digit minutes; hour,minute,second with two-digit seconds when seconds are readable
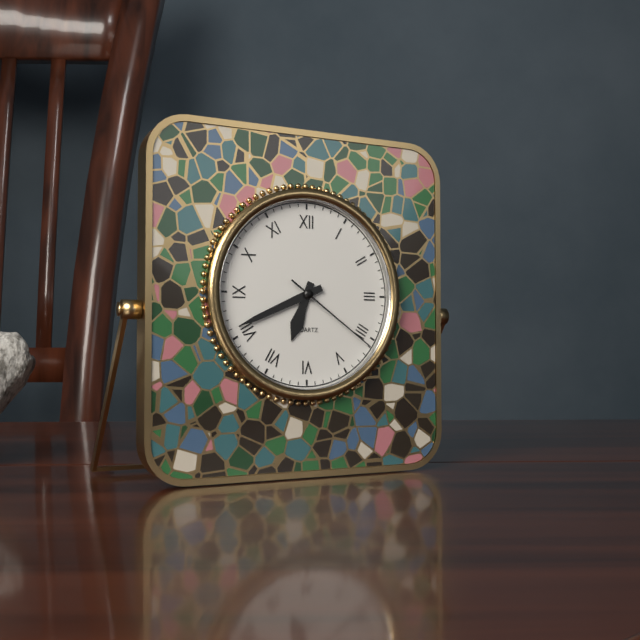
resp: 6,41,21
